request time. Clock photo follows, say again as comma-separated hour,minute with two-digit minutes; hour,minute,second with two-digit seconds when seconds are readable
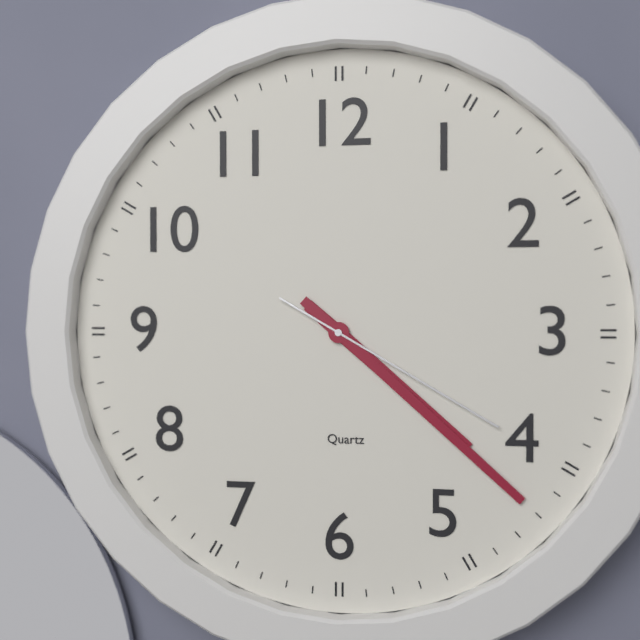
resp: 4,22,20
